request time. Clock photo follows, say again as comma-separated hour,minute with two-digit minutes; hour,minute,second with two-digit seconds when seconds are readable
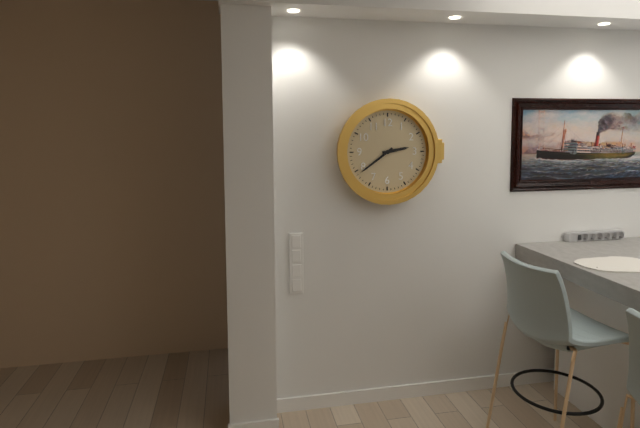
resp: 2,39
